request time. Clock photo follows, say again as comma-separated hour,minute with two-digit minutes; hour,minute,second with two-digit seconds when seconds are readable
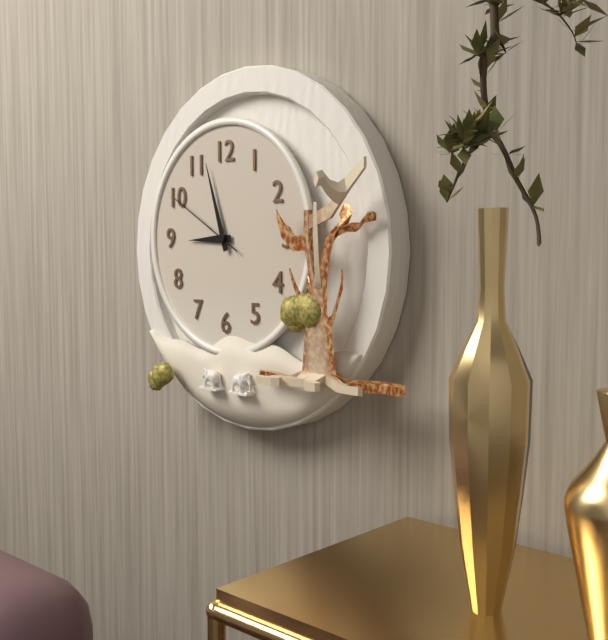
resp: 8,57,50
